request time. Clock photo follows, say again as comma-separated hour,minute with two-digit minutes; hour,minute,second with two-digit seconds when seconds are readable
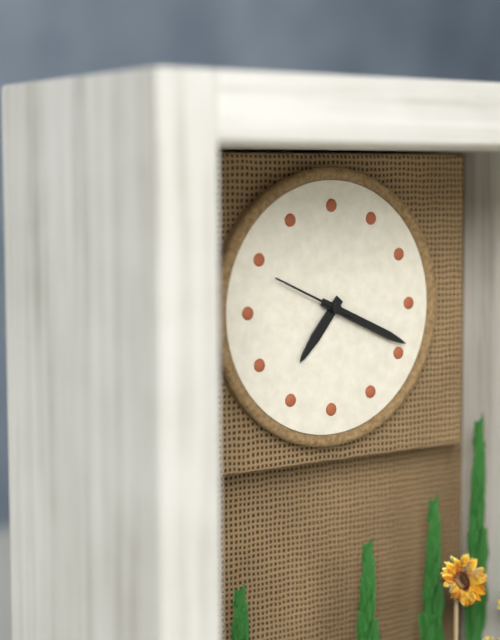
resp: 7,19,49
